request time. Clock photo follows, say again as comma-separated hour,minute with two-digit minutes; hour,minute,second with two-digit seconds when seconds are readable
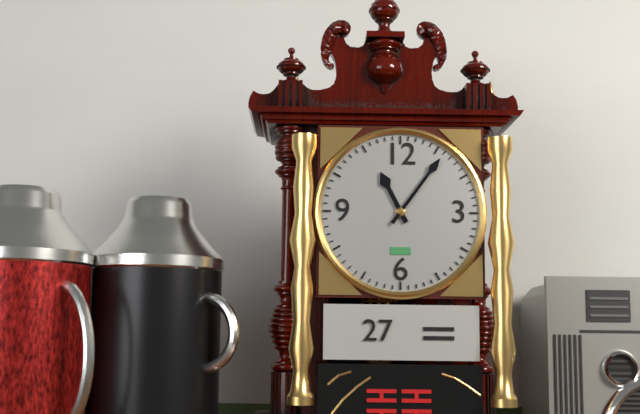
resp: 11,06
